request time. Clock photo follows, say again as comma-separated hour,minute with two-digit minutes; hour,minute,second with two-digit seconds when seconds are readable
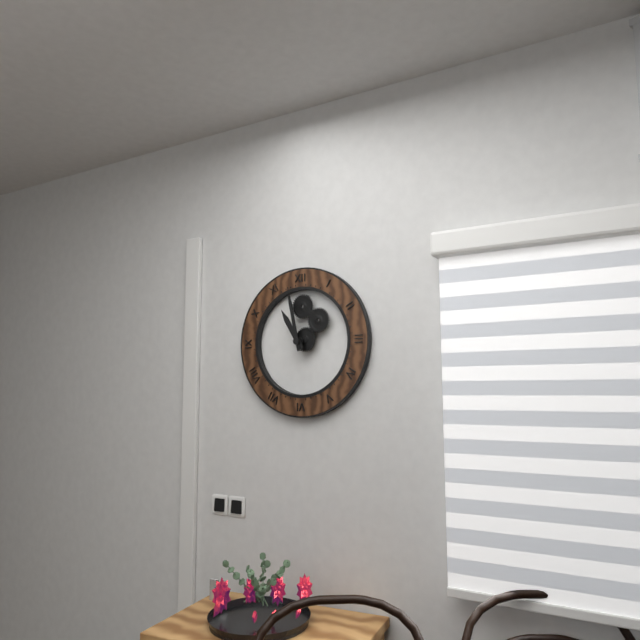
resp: 10,58
